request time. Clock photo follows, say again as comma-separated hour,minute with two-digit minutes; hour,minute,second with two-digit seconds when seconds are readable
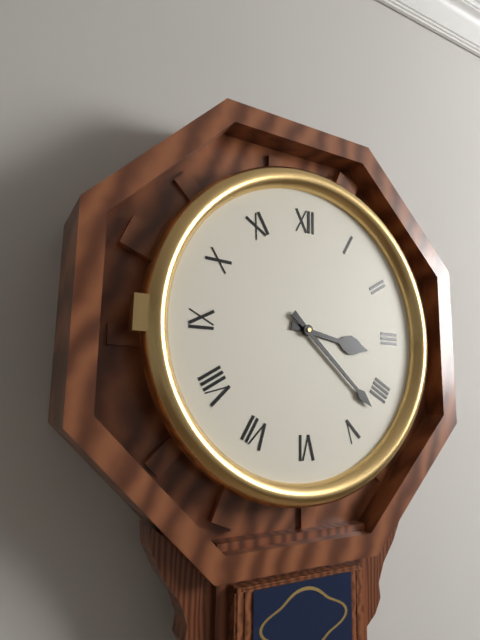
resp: 3,22
